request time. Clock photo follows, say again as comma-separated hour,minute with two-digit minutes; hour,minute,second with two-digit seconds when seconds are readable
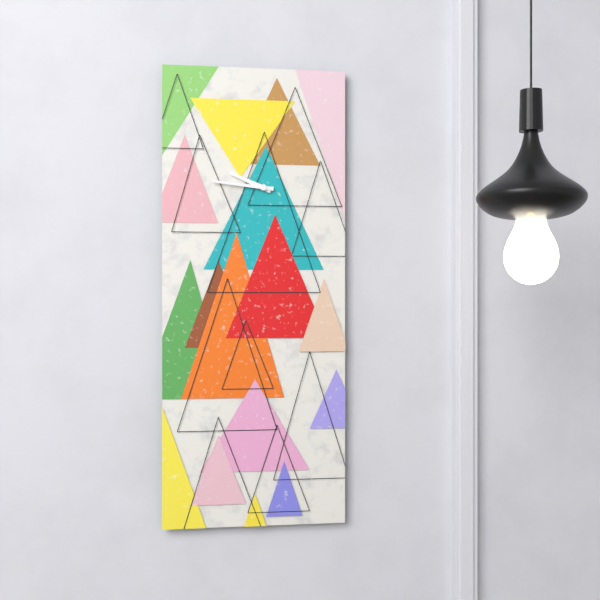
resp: 9,46
